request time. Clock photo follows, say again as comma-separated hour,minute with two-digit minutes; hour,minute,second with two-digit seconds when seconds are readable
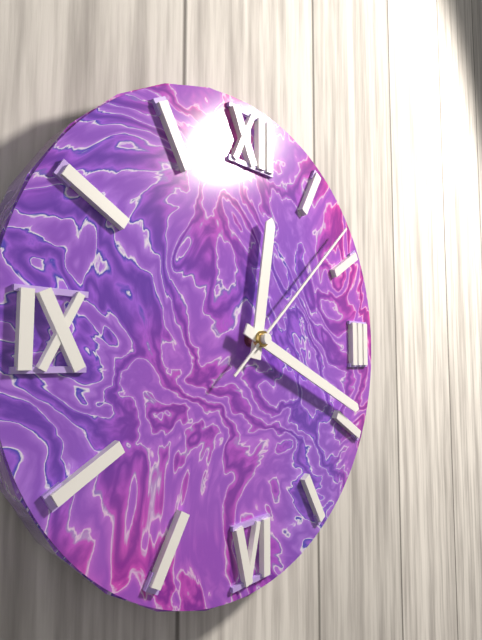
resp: 12,19,08
